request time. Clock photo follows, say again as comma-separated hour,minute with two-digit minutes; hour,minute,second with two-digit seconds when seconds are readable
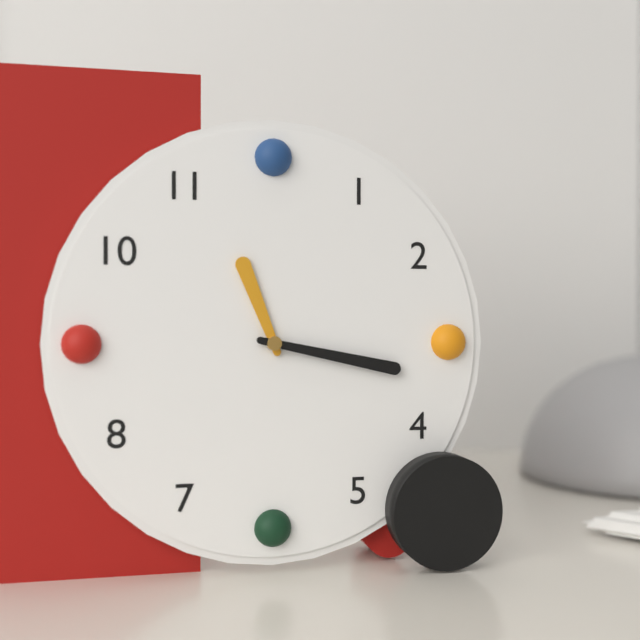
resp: 11,17
